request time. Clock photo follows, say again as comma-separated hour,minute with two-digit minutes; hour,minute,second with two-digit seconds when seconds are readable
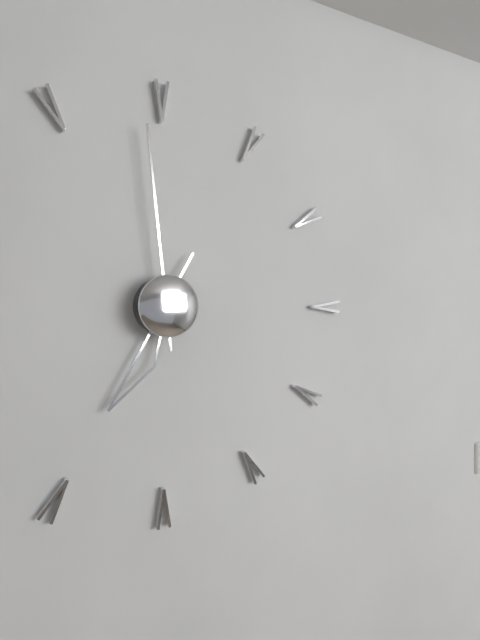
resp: 6,59
